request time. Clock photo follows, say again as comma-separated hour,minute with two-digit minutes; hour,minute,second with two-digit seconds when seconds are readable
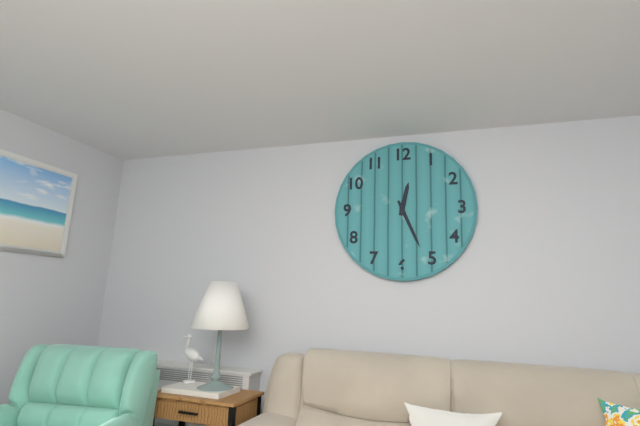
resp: 12,26
